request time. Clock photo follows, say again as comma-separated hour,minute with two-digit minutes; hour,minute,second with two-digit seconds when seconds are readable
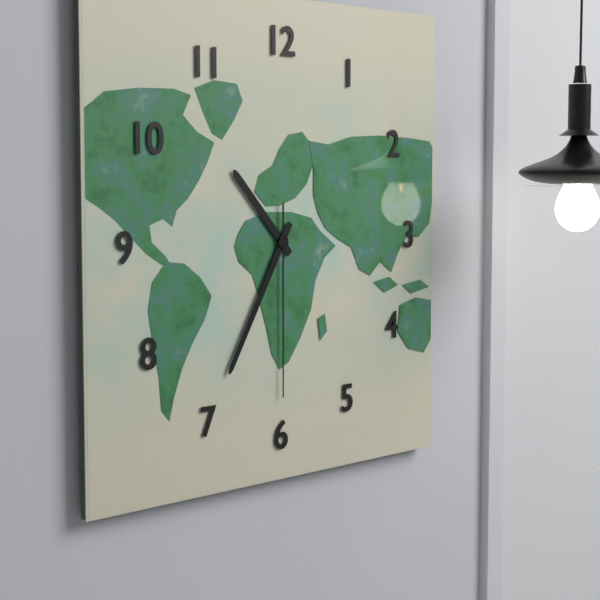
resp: 10,35,30
